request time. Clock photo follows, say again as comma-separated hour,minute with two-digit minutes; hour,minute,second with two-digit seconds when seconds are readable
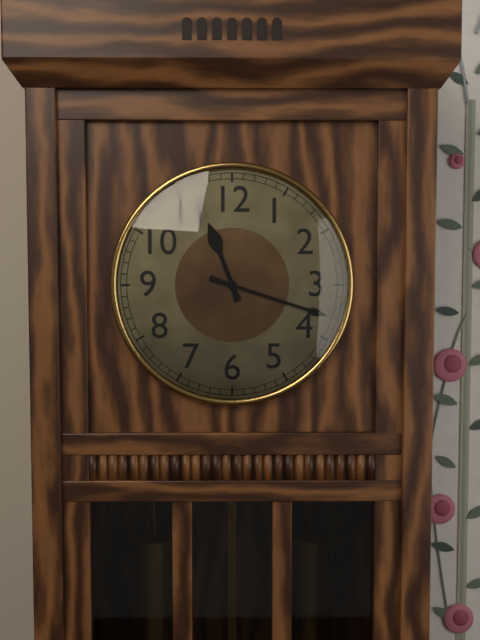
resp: 11,18
